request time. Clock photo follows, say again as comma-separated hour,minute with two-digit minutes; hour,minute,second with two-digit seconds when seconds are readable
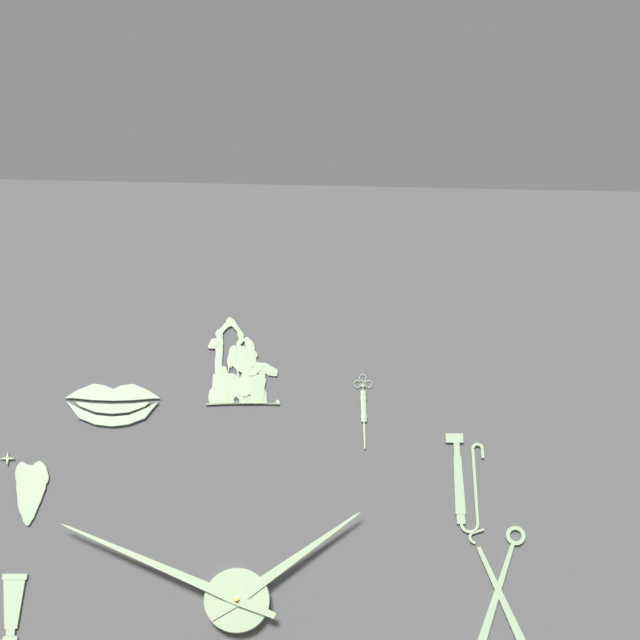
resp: 1,49
